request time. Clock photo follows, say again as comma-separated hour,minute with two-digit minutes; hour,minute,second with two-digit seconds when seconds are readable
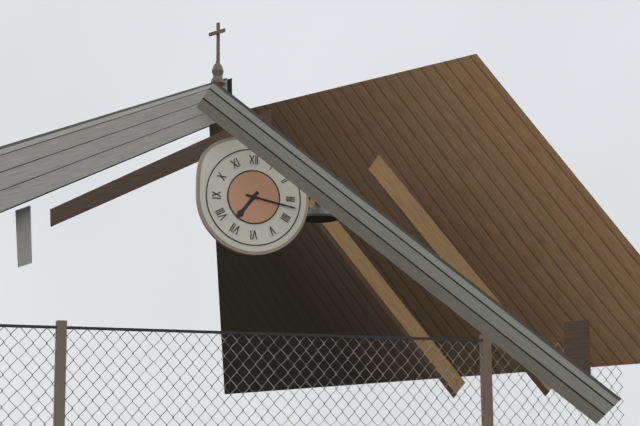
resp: 7,17
